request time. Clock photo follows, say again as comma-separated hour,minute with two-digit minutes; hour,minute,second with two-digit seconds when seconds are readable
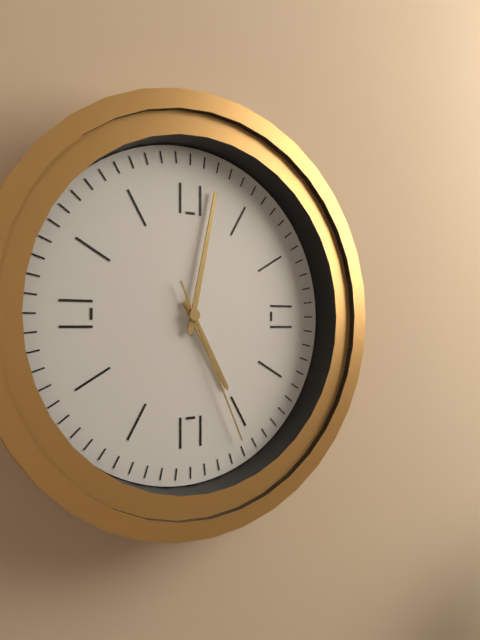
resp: 5,02,26
